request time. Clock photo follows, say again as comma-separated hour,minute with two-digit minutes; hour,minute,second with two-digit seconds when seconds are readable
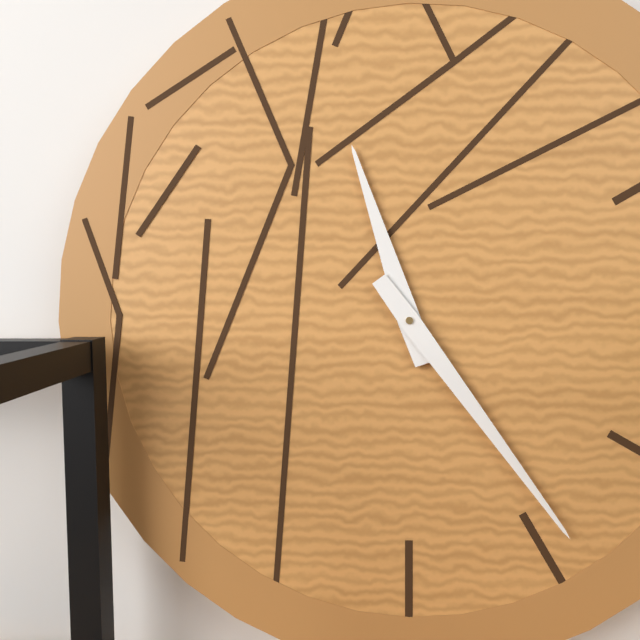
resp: 11,24
